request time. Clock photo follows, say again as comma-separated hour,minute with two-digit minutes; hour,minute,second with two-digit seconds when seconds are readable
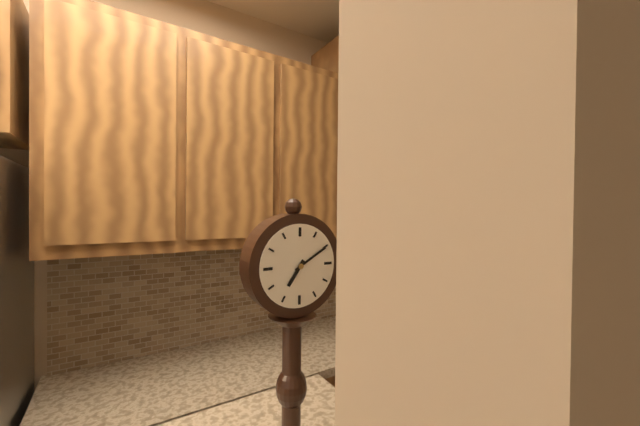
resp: 7,10
